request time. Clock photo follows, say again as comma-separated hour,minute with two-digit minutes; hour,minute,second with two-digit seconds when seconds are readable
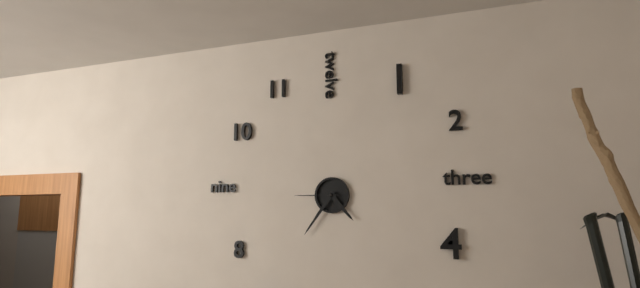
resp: 4,36
